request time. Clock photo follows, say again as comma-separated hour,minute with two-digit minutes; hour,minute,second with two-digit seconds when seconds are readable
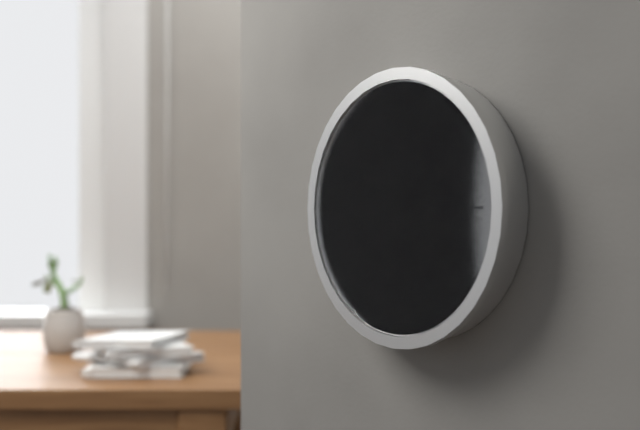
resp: 10,40
